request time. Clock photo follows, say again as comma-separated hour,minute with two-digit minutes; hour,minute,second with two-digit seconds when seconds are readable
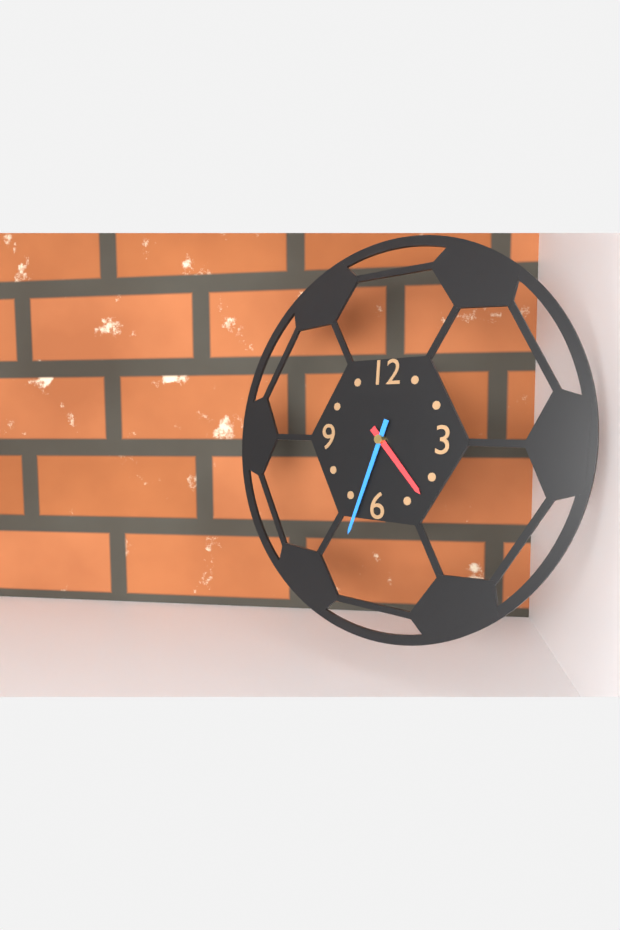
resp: 4,33
